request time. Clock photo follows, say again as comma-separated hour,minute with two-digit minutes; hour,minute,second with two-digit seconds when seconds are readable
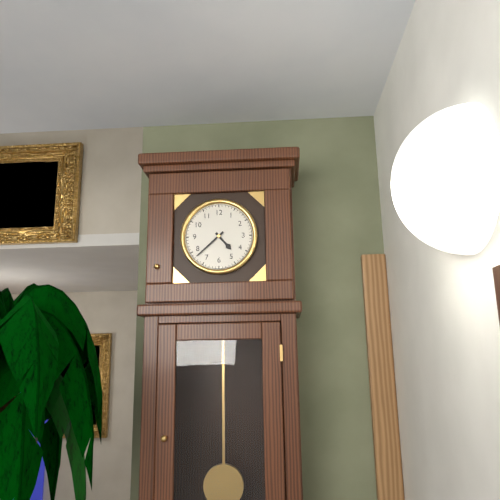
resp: 4,38
